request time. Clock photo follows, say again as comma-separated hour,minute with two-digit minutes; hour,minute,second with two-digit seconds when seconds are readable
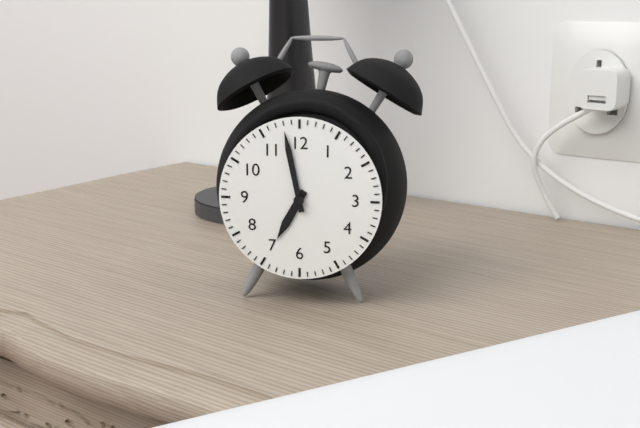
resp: 6,58
